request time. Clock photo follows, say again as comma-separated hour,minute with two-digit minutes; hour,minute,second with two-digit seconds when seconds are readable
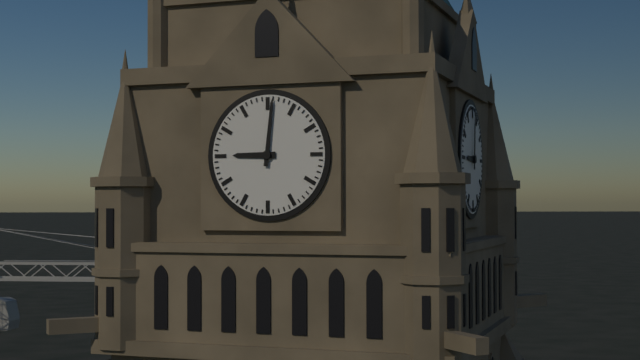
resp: 9,01
